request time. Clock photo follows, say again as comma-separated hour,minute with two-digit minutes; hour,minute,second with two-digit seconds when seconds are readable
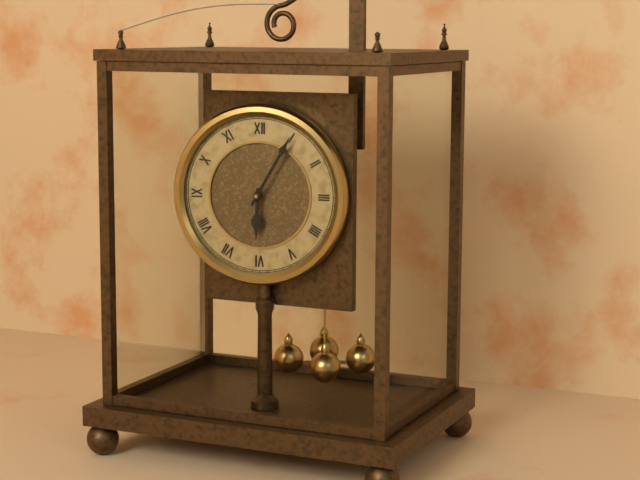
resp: 6,05
